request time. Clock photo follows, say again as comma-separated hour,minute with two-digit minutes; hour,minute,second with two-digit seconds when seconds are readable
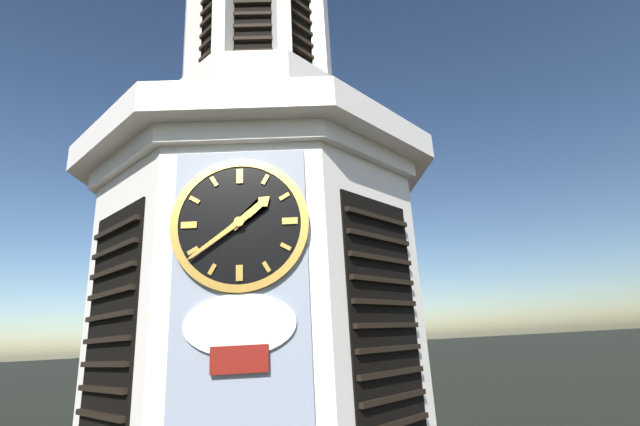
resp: 1,39
